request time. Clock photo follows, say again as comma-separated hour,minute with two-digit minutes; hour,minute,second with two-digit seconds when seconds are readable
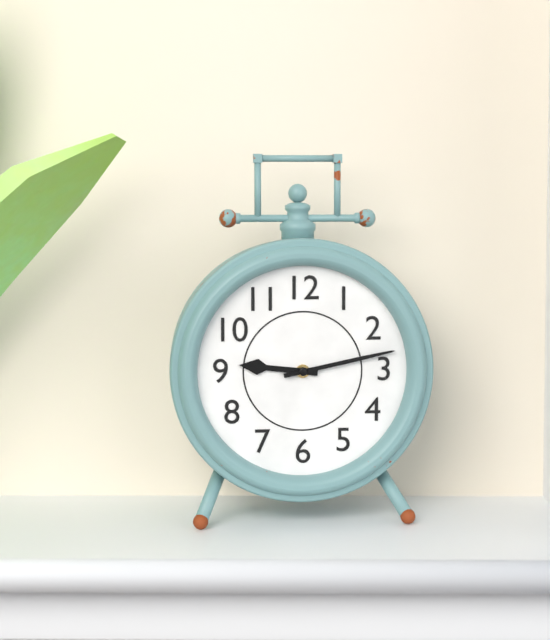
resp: 9,13
